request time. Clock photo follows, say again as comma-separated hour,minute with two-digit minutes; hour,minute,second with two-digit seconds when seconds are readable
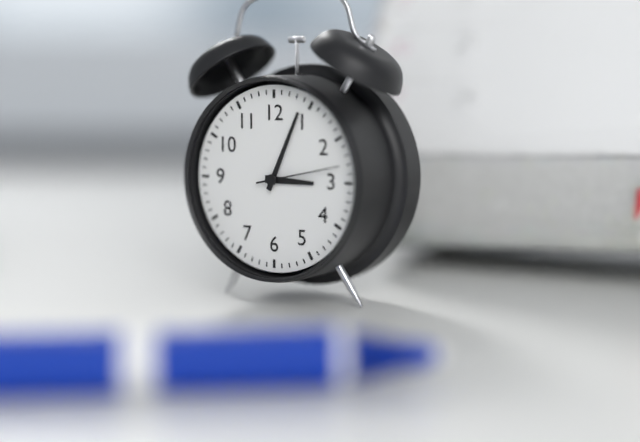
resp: 3,04,13
